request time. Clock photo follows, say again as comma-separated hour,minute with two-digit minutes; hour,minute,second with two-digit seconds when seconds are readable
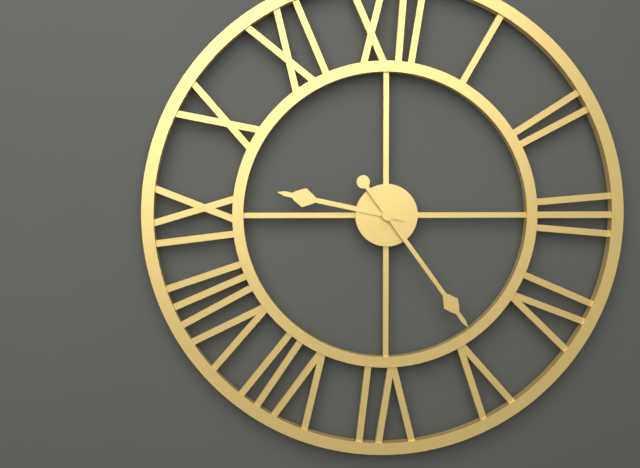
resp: 9,24
